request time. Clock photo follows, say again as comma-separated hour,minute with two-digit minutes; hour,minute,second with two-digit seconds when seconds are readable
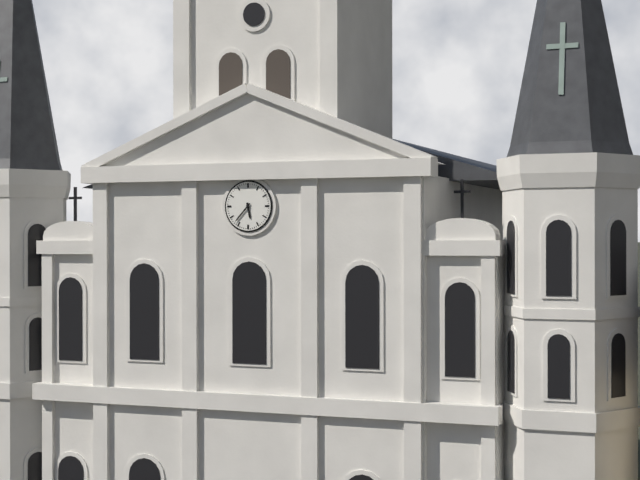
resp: 5,37
